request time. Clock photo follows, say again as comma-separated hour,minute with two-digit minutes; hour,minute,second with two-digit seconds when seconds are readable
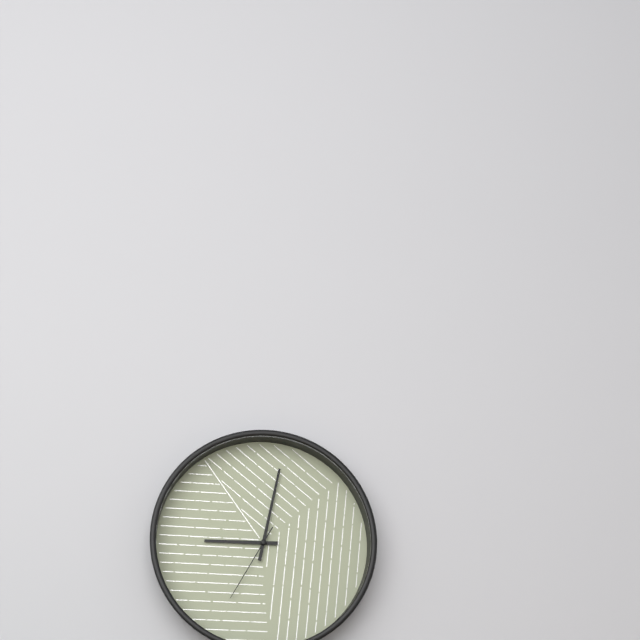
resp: 9,02,35
